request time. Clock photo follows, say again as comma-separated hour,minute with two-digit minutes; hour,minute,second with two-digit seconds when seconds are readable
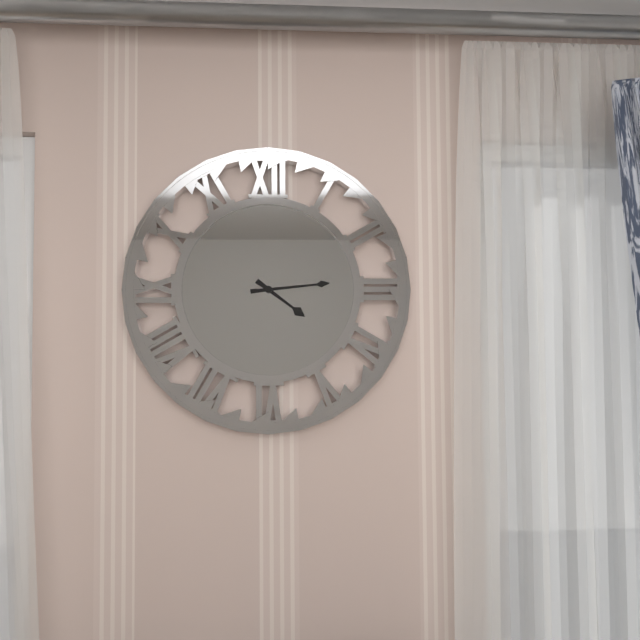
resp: 4,14
